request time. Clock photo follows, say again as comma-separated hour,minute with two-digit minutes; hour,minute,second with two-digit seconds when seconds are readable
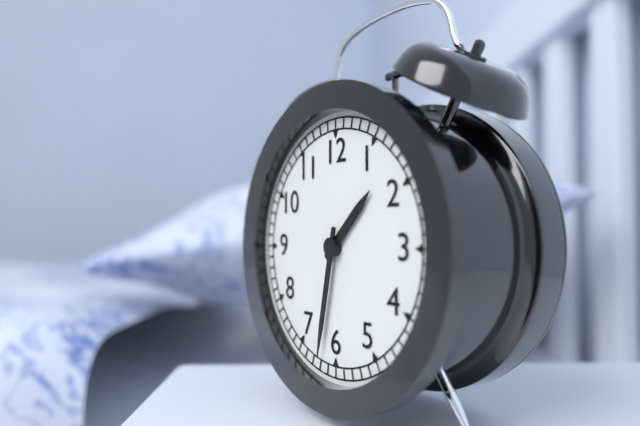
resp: 1,32
